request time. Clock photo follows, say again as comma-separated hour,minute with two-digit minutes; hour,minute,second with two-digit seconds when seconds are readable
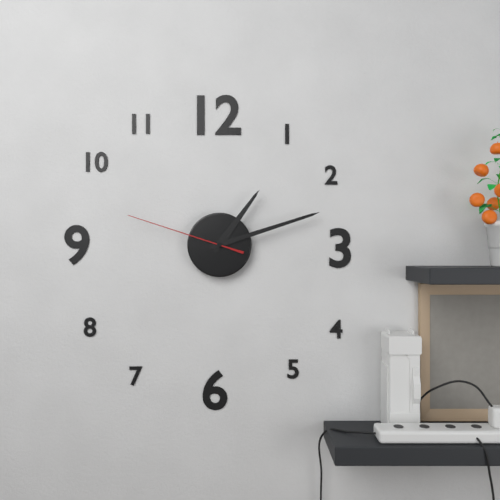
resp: 1,12,48
